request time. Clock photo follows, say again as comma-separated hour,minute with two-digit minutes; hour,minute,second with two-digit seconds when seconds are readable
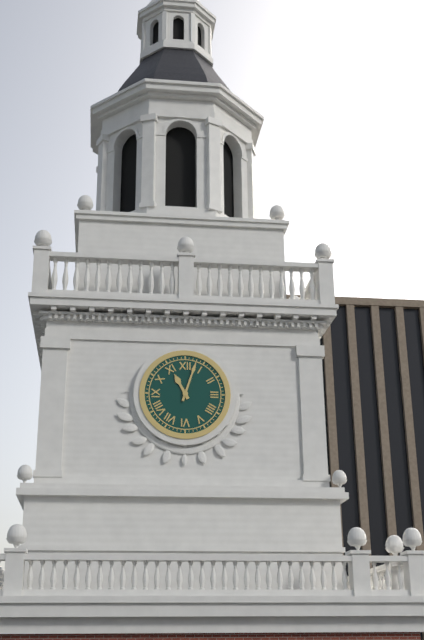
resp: 11,03
